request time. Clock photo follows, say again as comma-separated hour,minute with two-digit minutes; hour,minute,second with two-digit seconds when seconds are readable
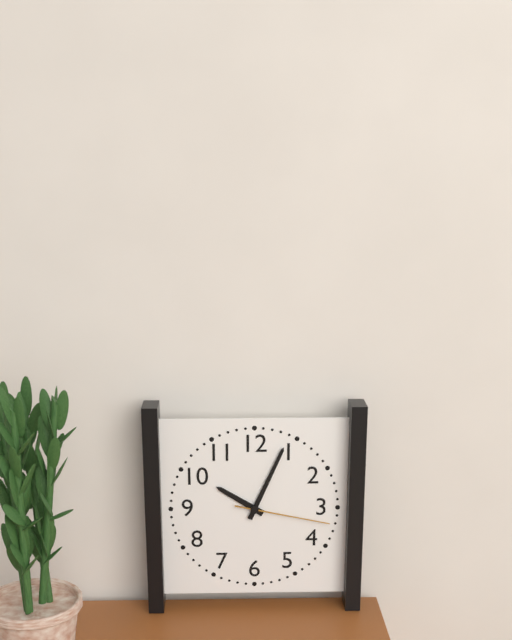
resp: 10,04,17
